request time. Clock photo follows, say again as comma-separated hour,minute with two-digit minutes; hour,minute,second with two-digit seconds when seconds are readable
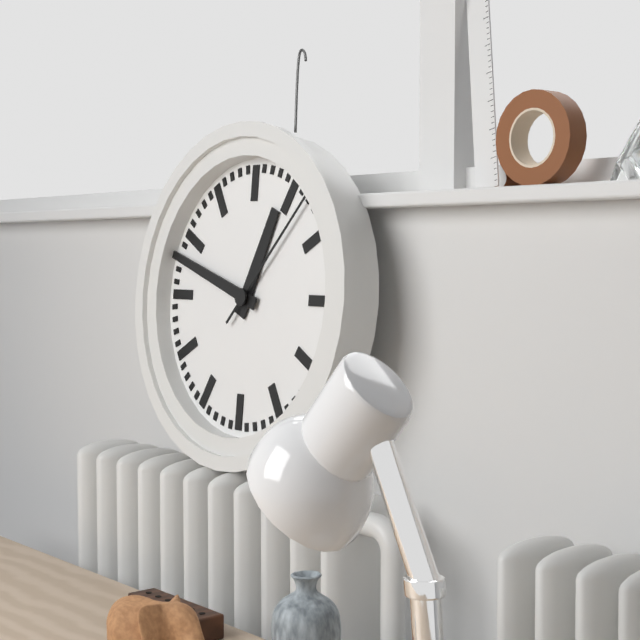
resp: 12,48,07
